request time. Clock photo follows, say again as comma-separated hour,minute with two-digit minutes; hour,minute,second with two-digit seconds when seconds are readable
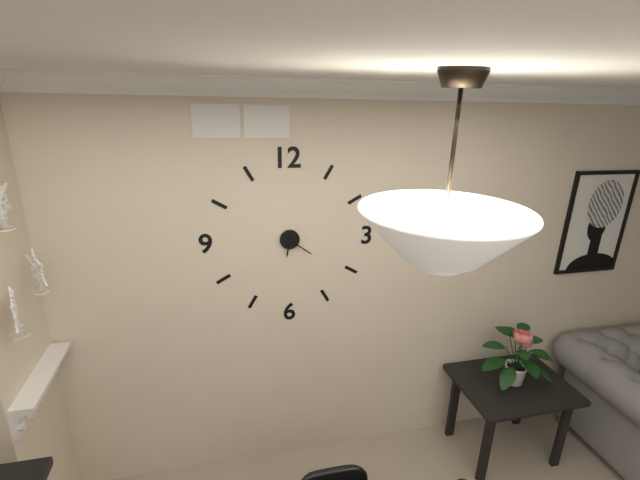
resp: 6,21
